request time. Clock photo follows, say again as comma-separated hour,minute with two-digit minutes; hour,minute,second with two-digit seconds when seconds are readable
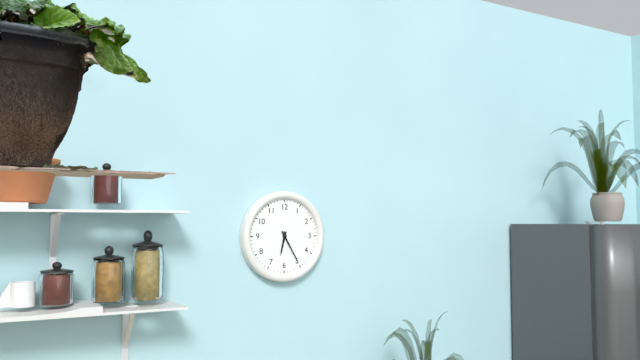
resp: 6,25
